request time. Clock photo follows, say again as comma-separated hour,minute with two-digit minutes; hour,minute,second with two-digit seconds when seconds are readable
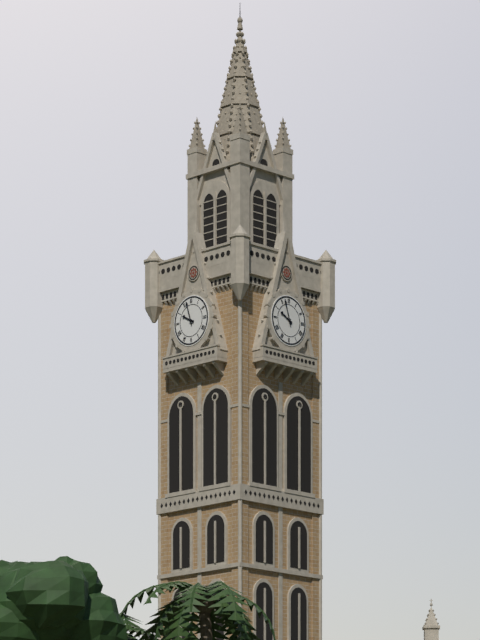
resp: 9,57
